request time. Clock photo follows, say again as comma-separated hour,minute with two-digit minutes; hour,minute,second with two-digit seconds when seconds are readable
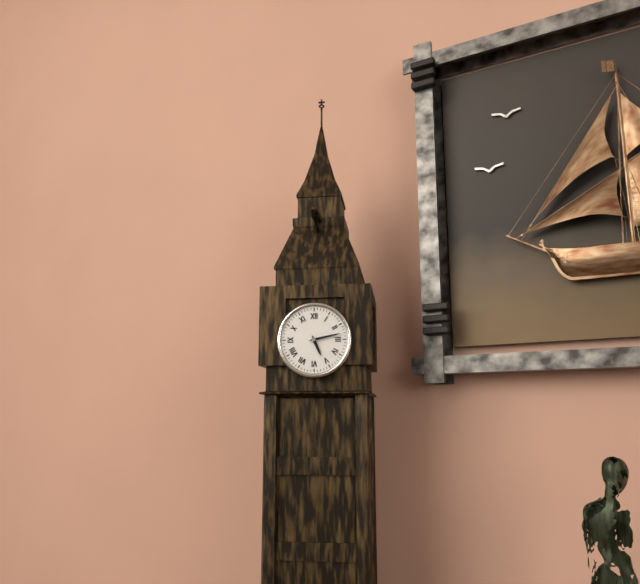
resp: 5,13
